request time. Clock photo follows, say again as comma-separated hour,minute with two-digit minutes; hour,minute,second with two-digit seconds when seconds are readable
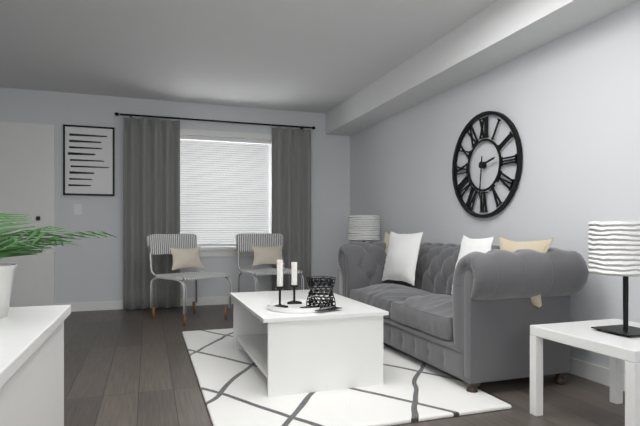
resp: 2,31
